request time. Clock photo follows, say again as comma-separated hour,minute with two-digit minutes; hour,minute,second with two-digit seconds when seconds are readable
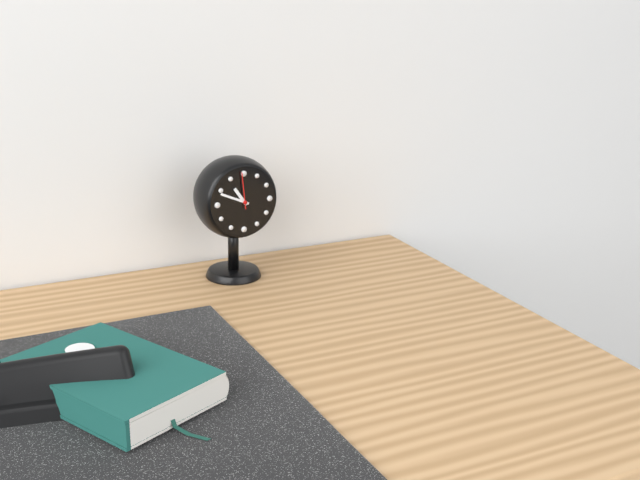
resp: 10,49
